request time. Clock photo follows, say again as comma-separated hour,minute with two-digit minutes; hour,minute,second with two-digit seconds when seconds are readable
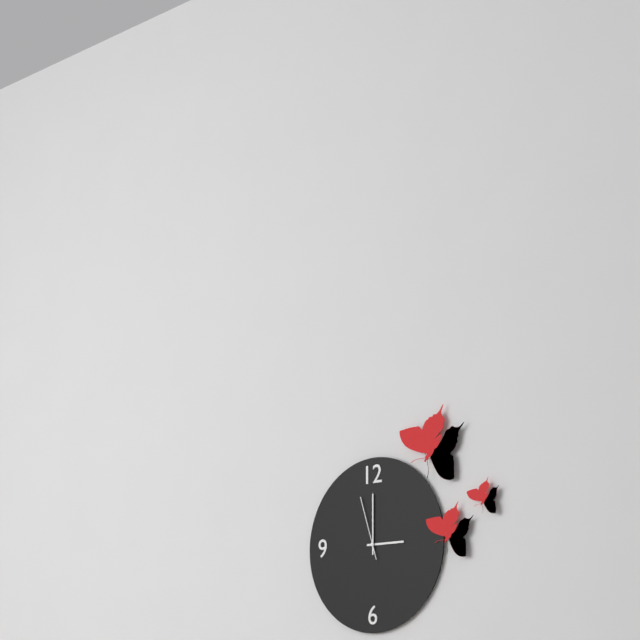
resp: 3,00,57
